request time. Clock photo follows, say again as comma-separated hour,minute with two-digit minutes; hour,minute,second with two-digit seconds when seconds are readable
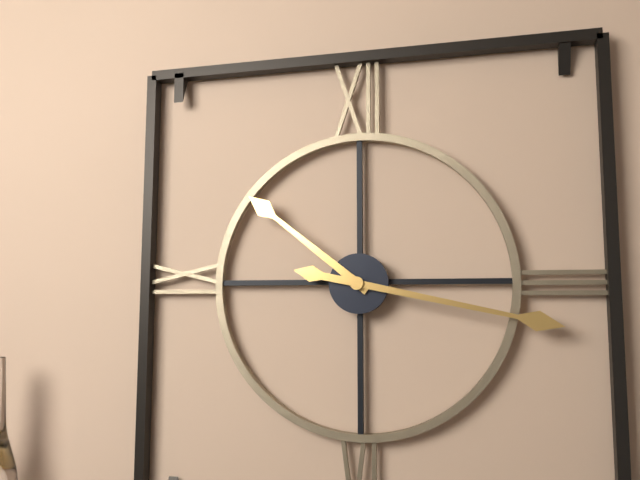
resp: 10,17
